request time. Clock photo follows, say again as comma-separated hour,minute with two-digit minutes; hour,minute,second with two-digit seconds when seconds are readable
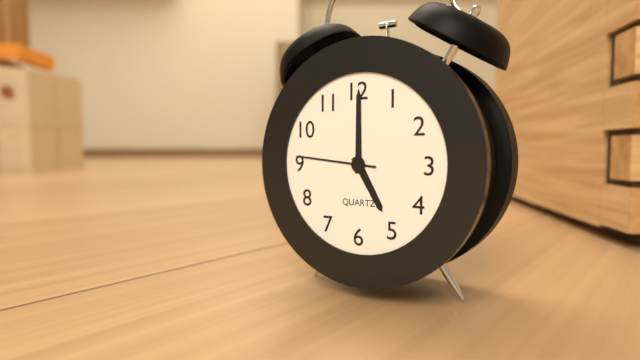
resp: 5,00,46
